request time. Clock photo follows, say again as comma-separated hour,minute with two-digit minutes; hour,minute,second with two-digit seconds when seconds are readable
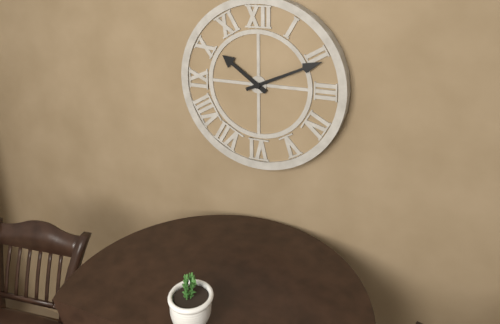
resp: 10,11
